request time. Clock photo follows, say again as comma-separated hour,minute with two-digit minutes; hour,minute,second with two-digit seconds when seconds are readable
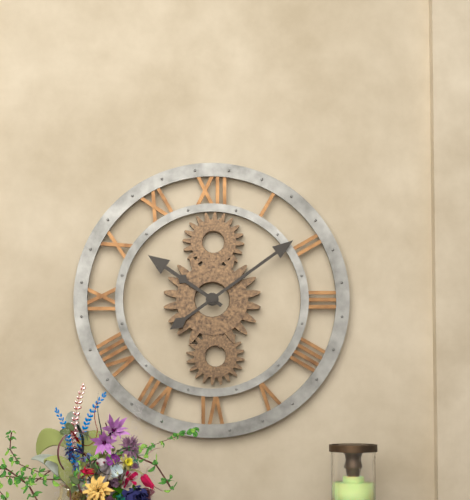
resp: 10,09
